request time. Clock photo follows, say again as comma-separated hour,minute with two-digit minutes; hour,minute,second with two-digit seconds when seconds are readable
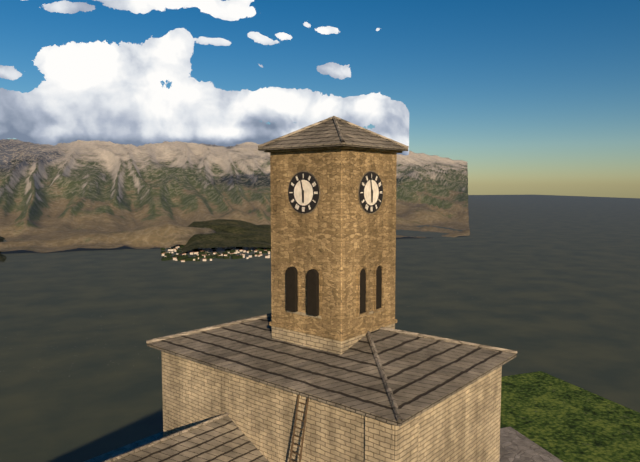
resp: 5,58
